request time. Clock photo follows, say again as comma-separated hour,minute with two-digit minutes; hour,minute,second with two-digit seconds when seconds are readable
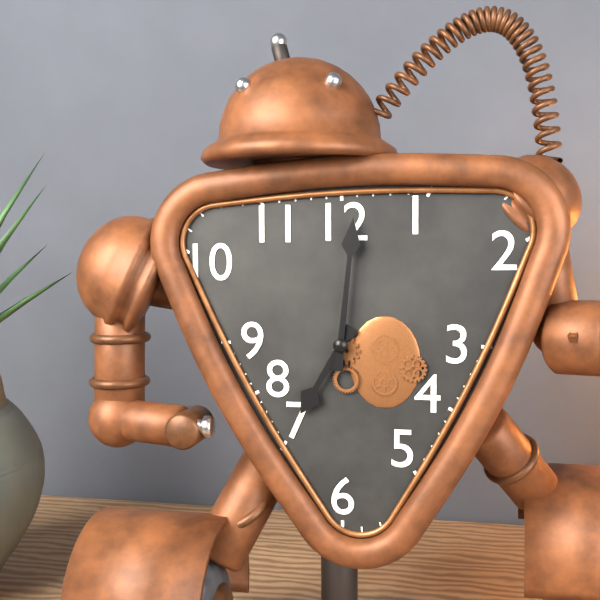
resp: 7,01
